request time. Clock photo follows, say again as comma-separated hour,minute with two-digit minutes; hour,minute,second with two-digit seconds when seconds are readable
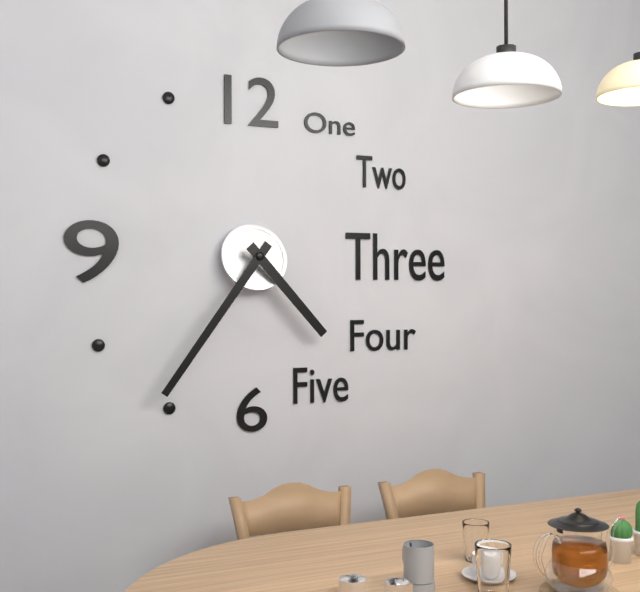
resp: 4,36
